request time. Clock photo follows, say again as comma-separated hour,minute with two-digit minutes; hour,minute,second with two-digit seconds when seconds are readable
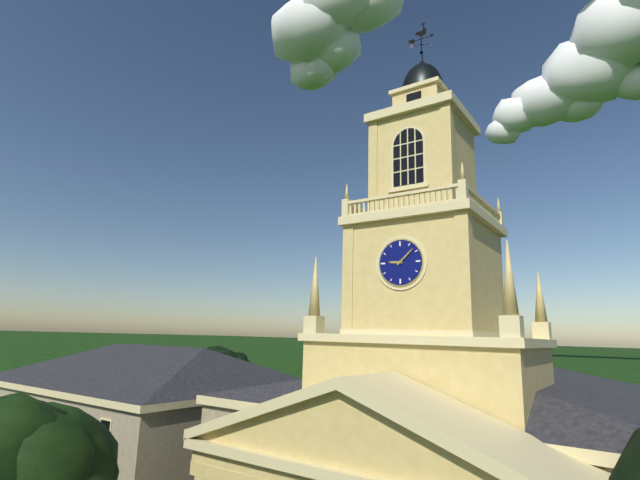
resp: 9,08
